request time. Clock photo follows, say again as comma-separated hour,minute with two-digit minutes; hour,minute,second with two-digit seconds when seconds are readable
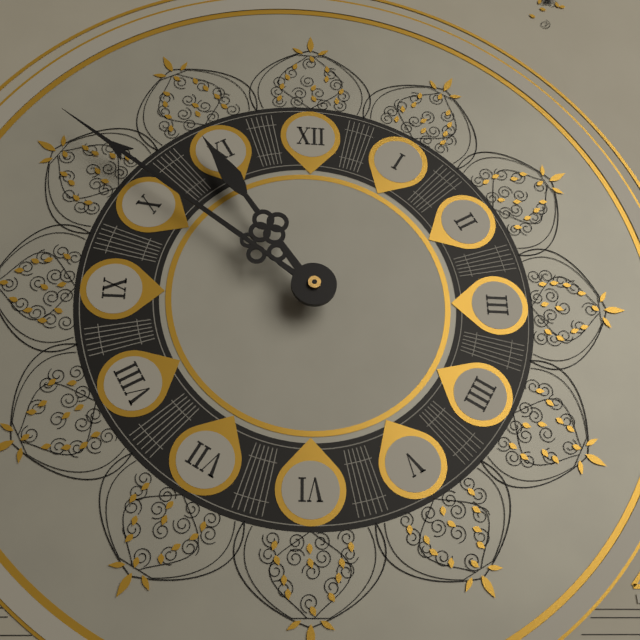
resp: 10,51
